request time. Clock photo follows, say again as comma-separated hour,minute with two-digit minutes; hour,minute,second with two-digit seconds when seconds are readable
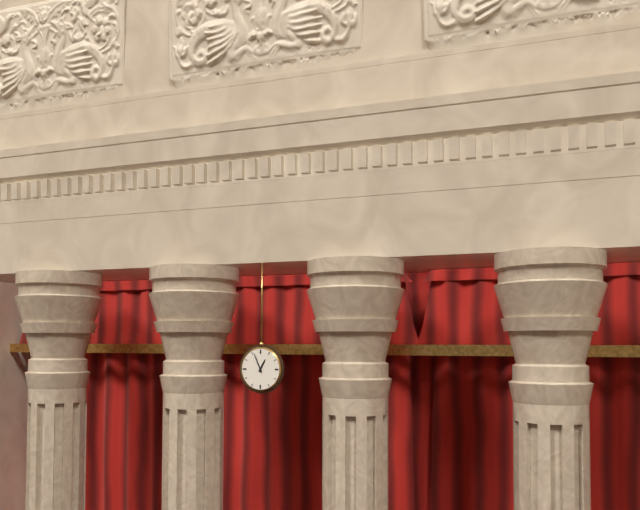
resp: 12,56
